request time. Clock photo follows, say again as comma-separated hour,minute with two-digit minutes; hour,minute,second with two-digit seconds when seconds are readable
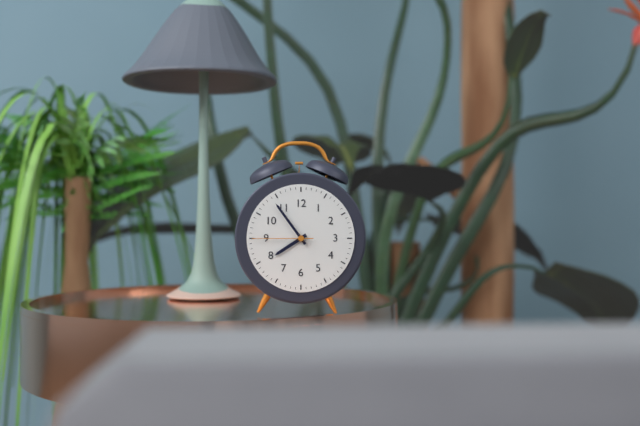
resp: 7,54,45
